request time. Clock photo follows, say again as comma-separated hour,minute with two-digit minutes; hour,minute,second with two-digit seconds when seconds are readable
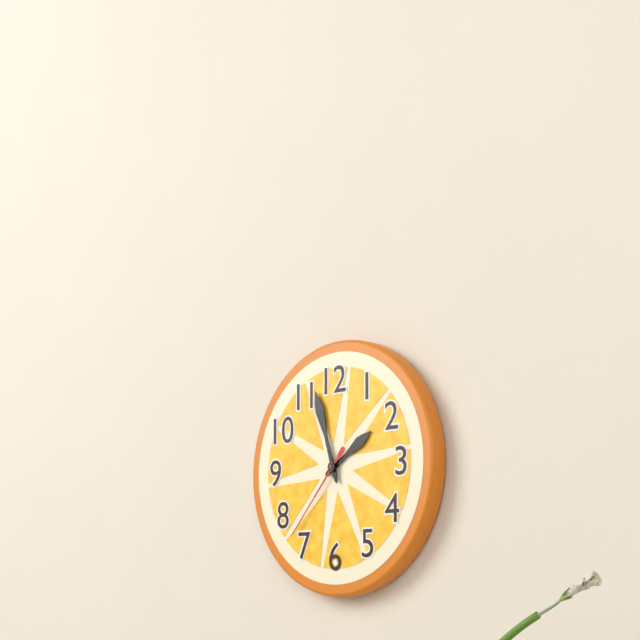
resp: 1,57,37
